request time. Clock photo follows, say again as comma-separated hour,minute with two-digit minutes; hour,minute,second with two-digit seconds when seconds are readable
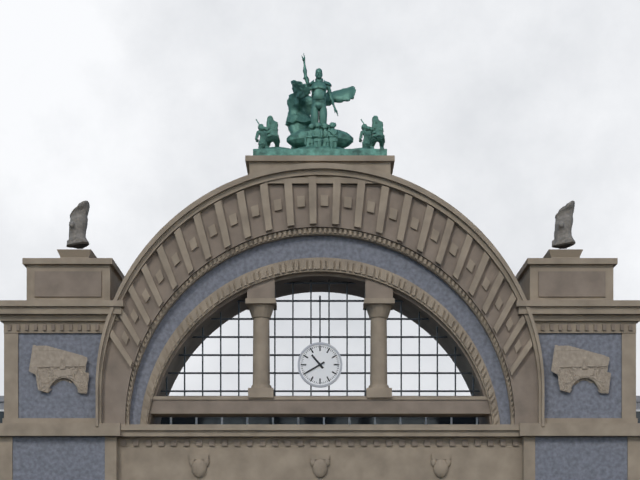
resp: 10,40
